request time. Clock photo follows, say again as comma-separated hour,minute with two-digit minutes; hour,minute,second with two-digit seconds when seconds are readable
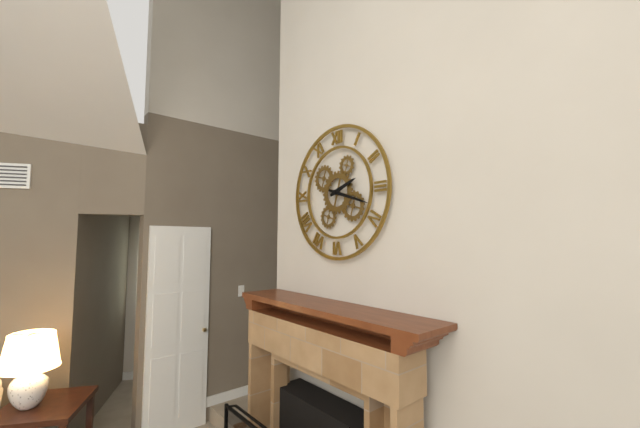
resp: 2,18
